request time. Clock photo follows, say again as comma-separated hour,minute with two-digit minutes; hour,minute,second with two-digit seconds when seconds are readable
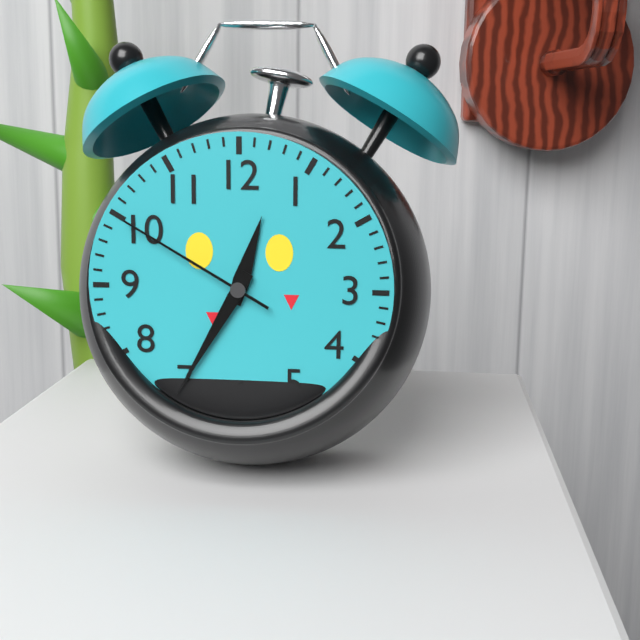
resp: 12,35,50
